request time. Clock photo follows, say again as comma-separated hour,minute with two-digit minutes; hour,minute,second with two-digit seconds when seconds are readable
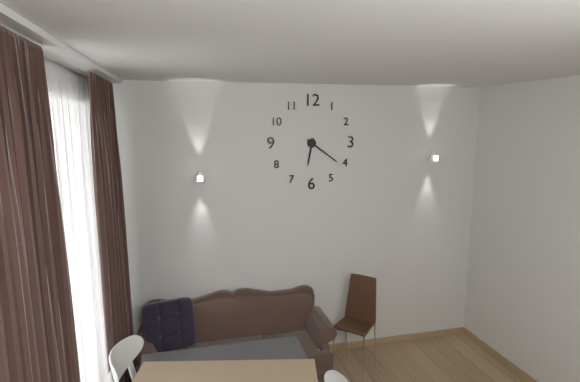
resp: 6,21
